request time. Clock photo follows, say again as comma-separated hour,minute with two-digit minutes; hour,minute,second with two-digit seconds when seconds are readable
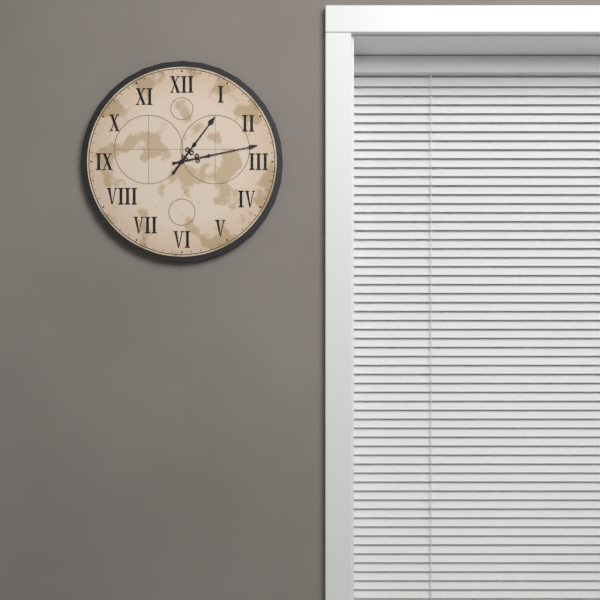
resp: 1,13
